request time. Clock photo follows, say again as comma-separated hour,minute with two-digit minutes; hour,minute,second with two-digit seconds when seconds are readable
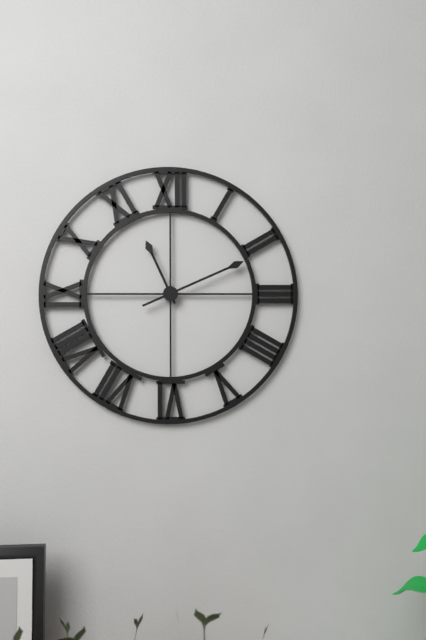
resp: 11,11
